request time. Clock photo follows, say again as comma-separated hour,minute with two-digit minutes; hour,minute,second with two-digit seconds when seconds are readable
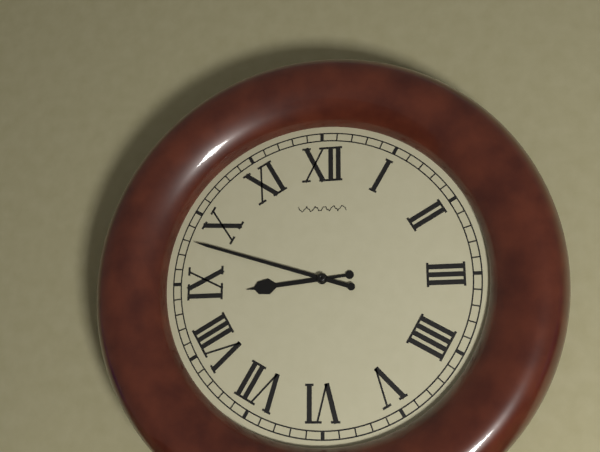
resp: 8,48
